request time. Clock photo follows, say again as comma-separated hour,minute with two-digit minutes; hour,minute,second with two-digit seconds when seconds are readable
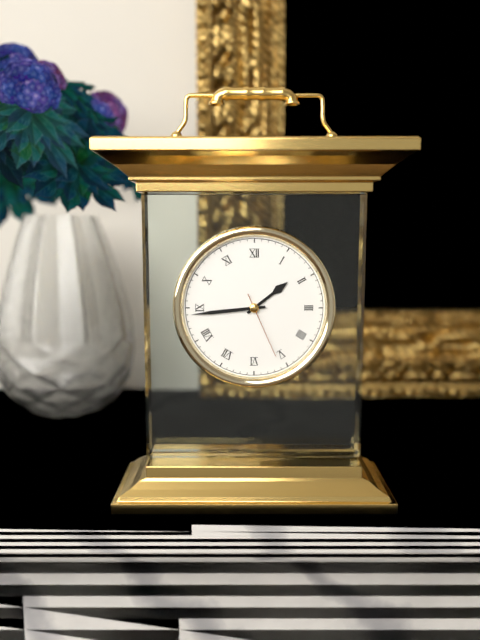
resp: 1,44,26
